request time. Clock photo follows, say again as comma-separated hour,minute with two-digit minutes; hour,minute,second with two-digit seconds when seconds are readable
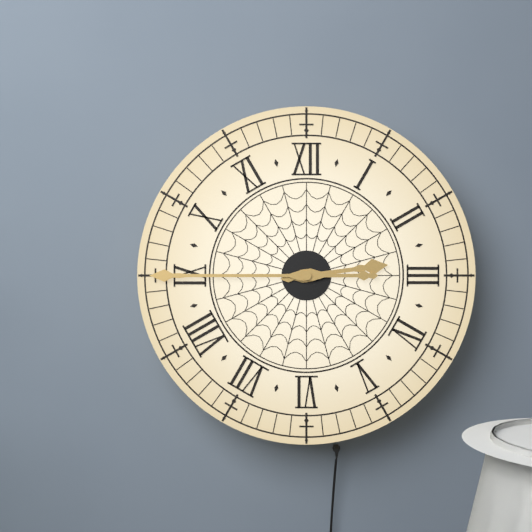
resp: 2,45
